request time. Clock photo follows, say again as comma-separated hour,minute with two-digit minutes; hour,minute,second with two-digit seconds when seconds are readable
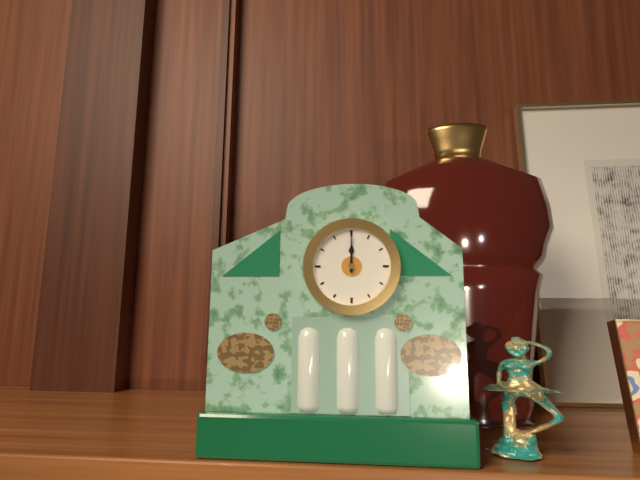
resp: 12,00
